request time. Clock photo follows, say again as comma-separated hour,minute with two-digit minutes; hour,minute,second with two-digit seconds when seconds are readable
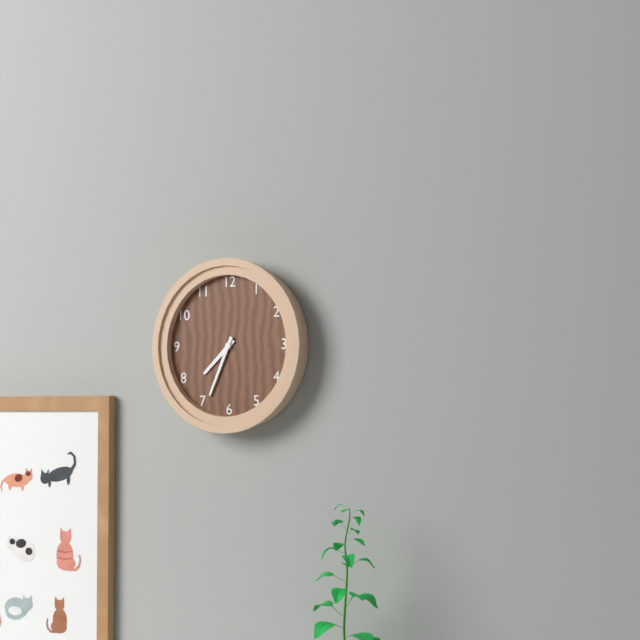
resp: 7,34
